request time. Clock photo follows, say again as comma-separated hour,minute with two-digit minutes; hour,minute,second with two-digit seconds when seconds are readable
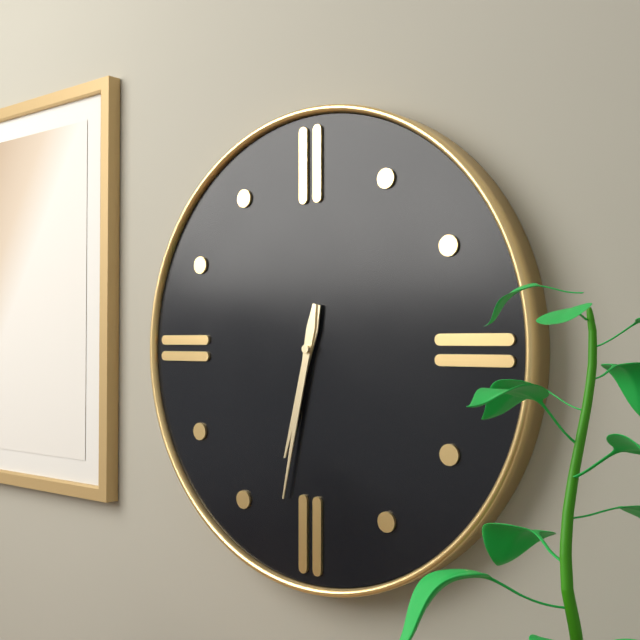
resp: 6,32
